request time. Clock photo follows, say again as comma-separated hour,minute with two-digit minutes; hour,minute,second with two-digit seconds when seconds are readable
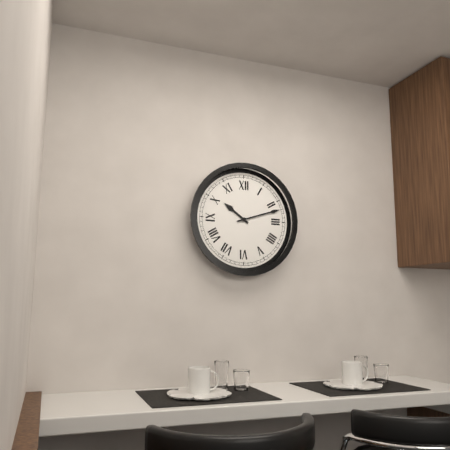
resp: 10,12
